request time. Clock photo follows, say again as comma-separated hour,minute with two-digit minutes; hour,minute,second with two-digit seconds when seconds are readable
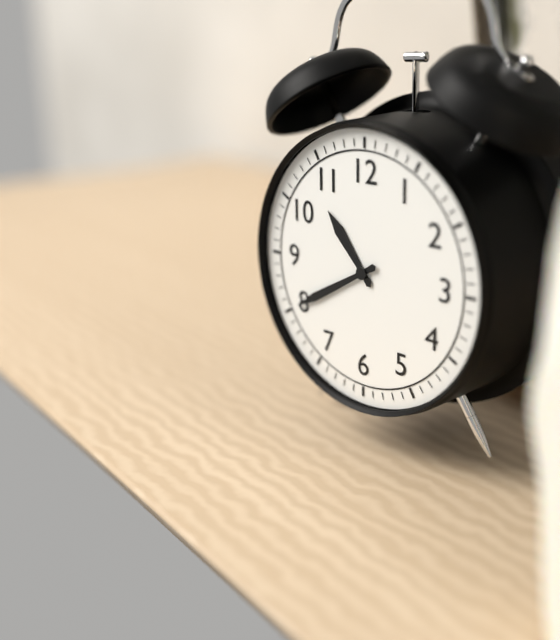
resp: 10,40
